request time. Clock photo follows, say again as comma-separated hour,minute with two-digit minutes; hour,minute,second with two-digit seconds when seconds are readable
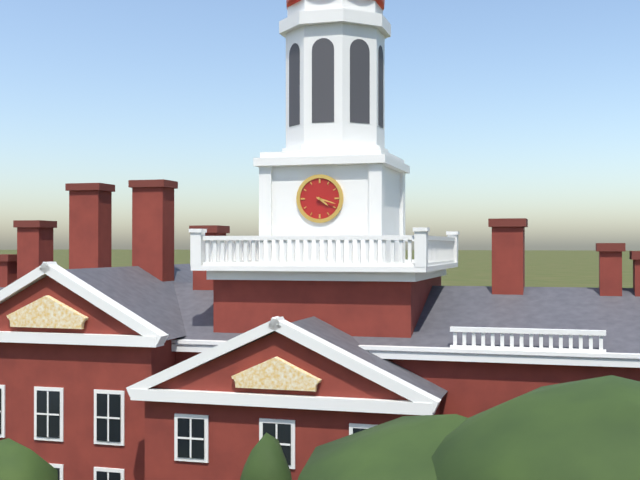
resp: 4,18
